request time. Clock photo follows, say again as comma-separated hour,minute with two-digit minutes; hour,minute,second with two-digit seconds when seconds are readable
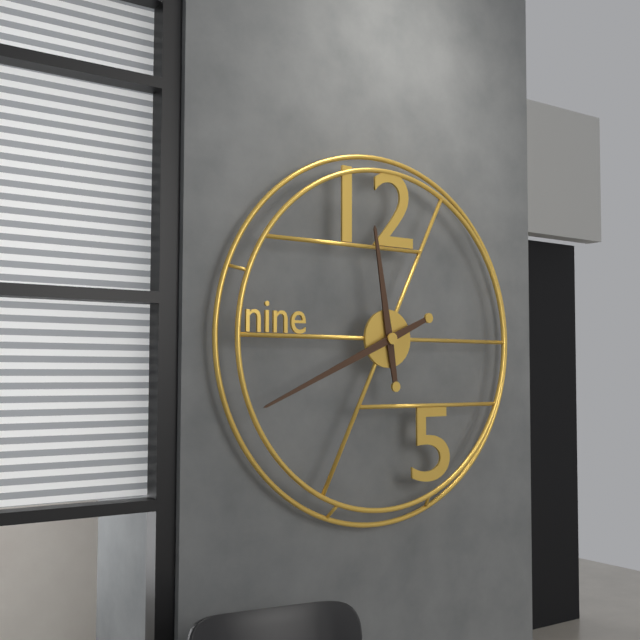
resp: 11,41
